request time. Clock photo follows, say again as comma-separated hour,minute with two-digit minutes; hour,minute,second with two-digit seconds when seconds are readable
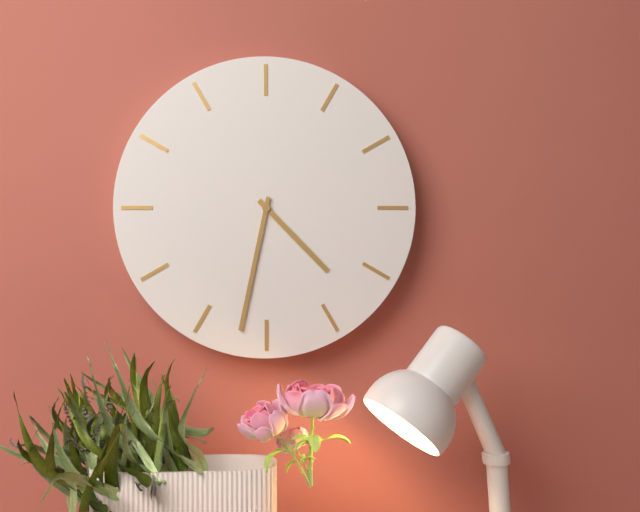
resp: 4,32
